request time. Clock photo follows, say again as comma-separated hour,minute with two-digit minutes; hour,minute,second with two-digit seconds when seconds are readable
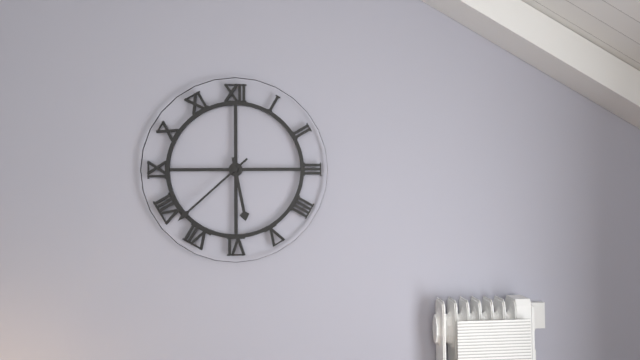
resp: 5,38
